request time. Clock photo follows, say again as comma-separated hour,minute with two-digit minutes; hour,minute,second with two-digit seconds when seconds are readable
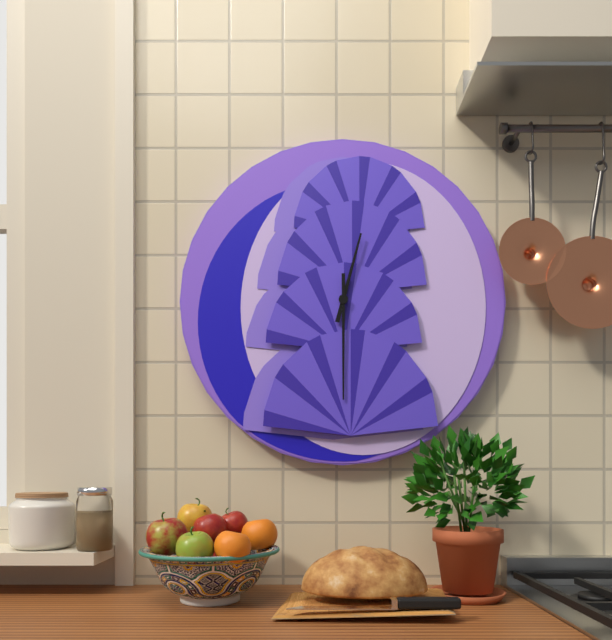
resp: 12,30
